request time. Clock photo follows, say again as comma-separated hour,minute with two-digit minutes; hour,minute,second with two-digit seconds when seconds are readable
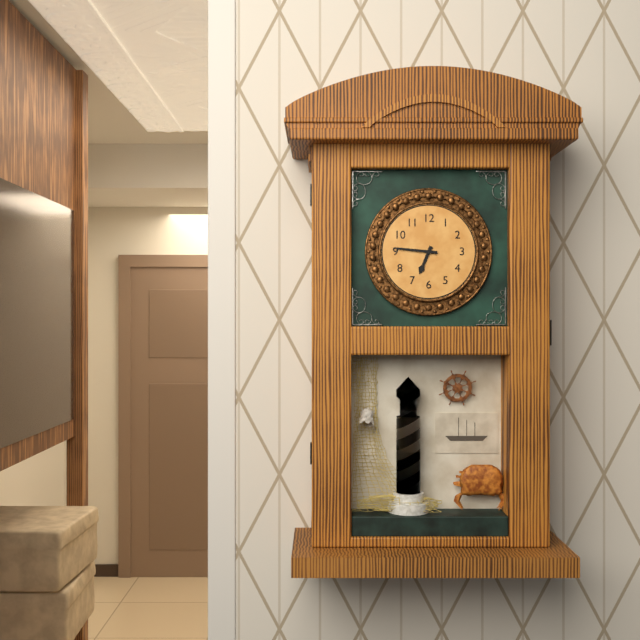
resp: 6,46
